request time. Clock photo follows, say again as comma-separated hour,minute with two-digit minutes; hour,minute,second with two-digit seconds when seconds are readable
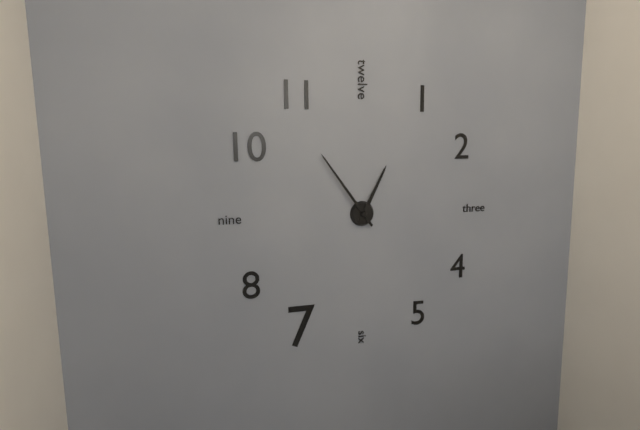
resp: 12,54
